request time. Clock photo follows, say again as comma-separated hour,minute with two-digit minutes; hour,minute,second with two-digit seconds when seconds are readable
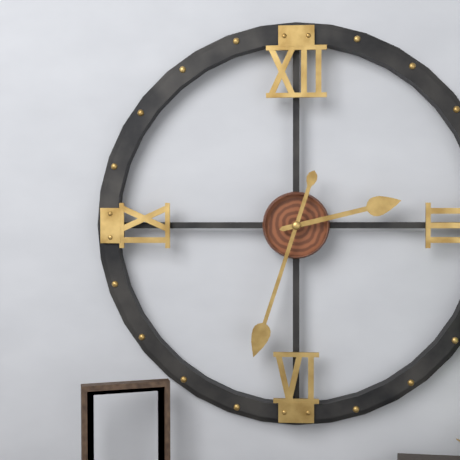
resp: 2,33
